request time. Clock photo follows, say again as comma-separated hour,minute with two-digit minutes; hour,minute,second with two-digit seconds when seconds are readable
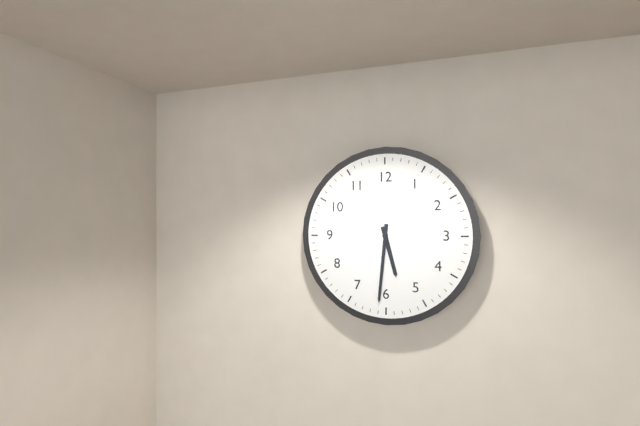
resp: 5,31
